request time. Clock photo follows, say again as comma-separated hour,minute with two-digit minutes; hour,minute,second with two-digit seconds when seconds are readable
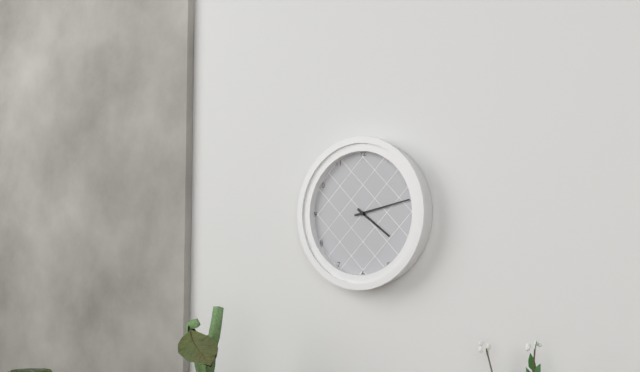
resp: 4,13
